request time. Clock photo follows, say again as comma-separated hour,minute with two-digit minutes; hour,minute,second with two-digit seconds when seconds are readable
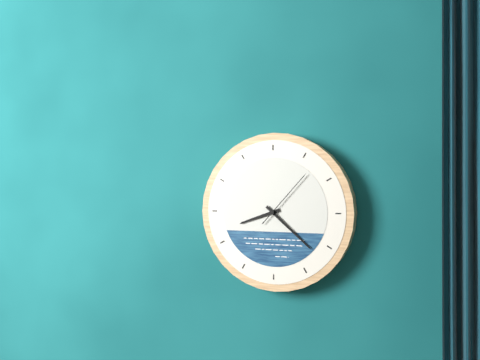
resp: 8,22,07
